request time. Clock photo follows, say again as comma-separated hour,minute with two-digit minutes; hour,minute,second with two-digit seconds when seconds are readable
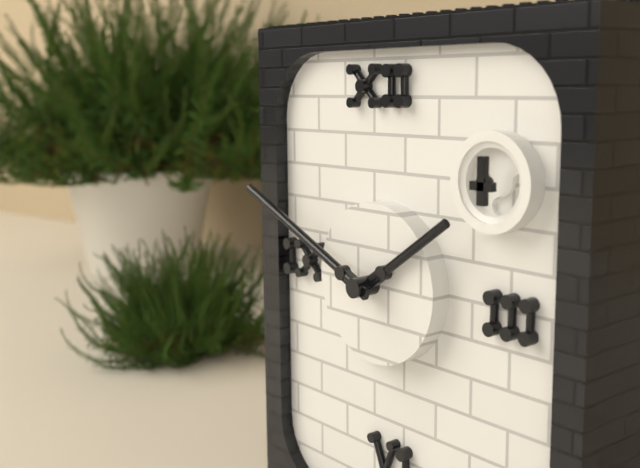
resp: 1,49
